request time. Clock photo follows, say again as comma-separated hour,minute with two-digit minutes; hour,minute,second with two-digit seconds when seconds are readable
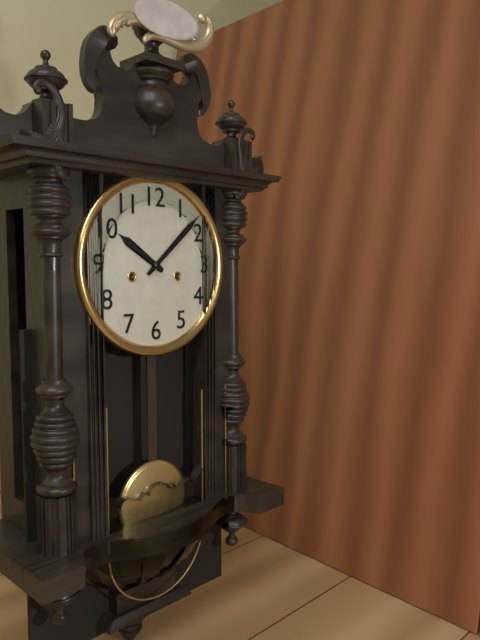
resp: 10,08
